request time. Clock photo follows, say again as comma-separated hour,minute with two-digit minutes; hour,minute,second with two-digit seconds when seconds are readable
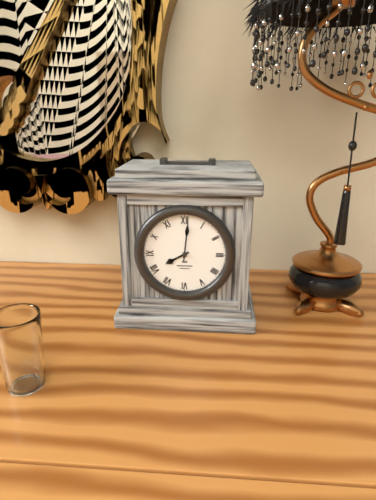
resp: 8,01
